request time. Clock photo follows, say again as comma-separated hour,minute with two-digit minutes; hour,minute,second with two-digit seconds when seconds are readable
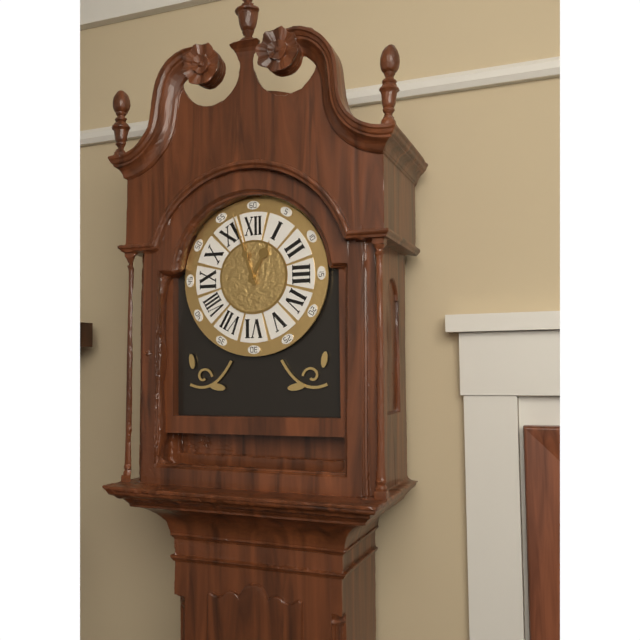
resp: 12,57
